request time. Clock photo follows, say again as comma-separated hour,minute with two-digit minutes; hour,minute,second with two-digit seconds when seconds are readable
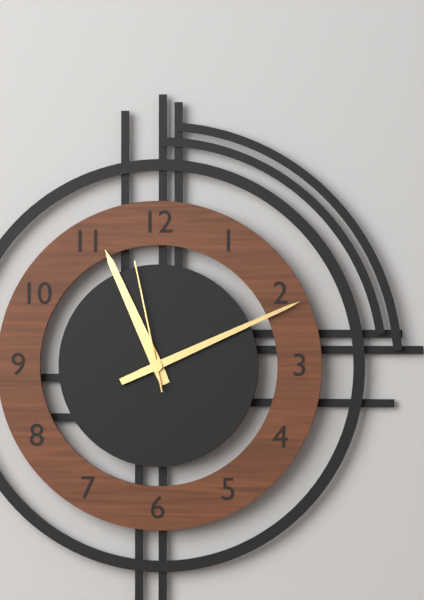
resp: 11,11,58
